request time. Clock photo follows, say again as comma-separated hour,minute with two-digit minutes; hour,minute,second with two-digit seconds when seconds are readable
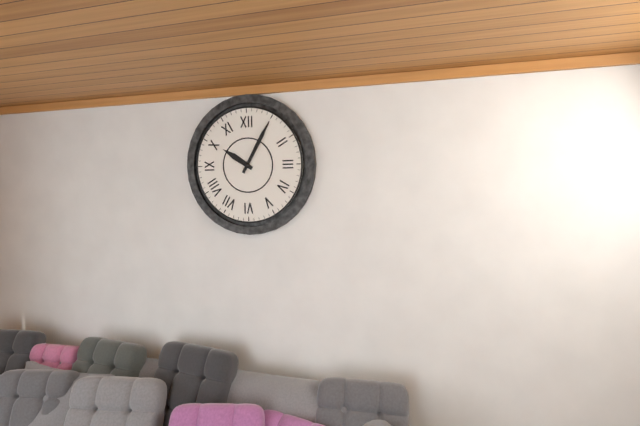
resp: 10,05
